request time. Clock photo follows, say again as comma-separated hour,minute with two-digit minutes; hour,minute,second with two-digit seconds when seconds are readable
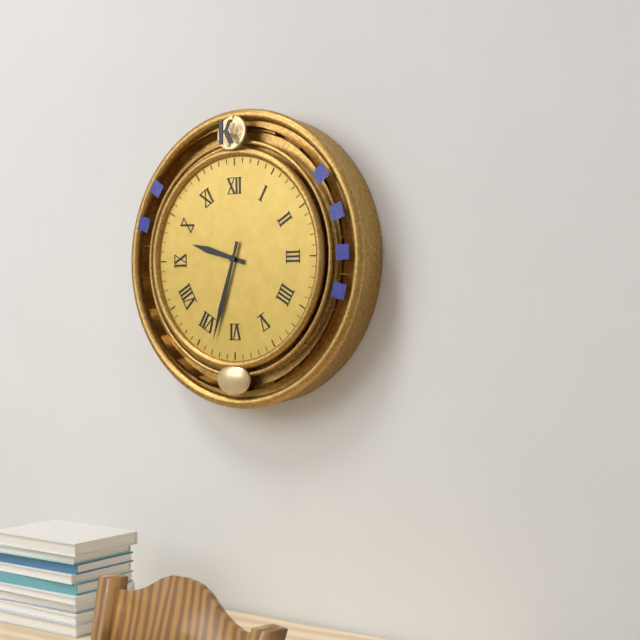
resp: 9,33
